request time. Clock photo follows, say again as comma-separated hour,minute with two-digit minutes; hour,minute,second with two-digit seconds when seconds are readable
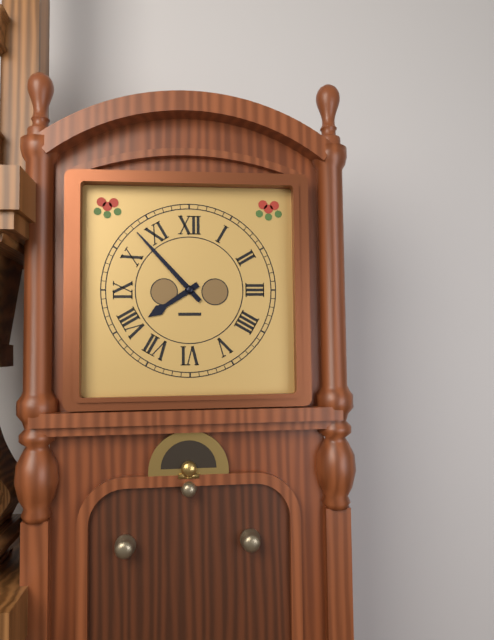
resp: 7,53
